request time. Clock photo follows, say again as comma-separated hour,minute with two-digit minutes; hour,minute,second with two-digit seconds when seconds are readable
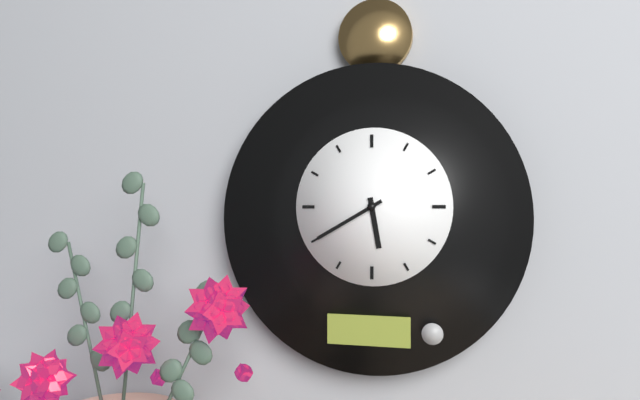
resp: 5,40
